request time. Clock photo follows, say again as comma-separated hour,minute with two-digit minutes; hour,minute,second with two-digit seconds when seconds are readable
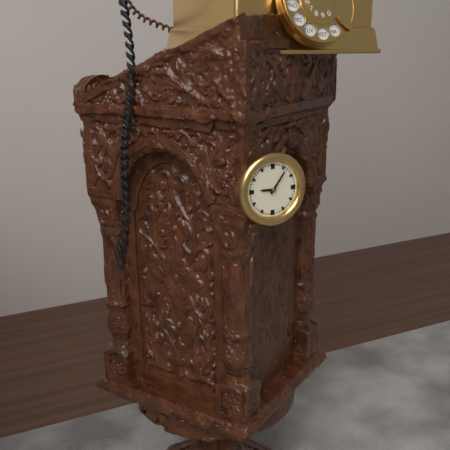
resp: 9,06
